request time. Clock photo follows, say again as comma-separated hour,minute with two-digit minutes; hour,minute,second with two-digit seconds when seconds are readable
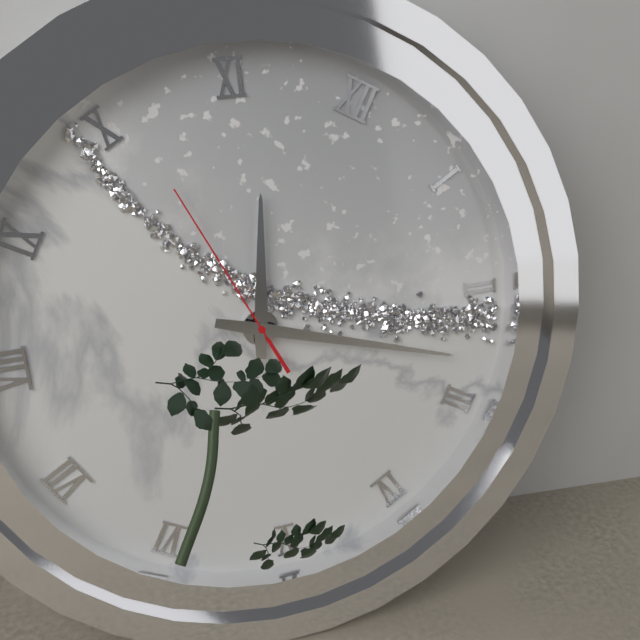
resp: 11,13,51
